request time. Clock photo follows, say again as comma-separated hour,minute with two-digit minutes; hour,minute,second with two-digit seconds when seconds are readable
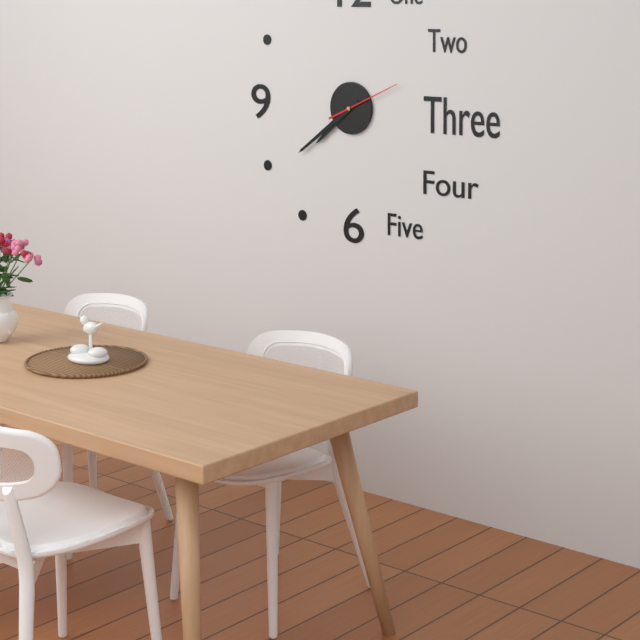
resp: 7,39,11
